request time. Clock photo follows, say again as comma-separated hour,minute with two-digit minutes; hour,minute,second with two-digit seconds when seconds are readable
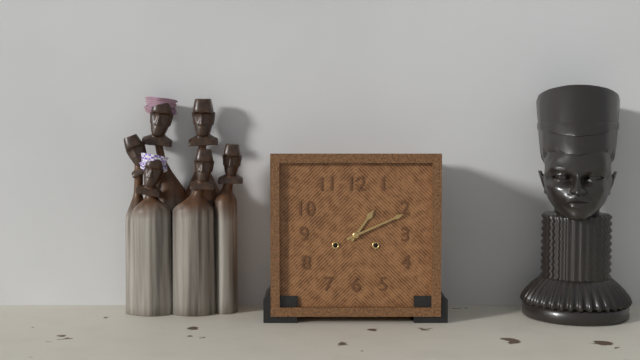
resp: 1,11
